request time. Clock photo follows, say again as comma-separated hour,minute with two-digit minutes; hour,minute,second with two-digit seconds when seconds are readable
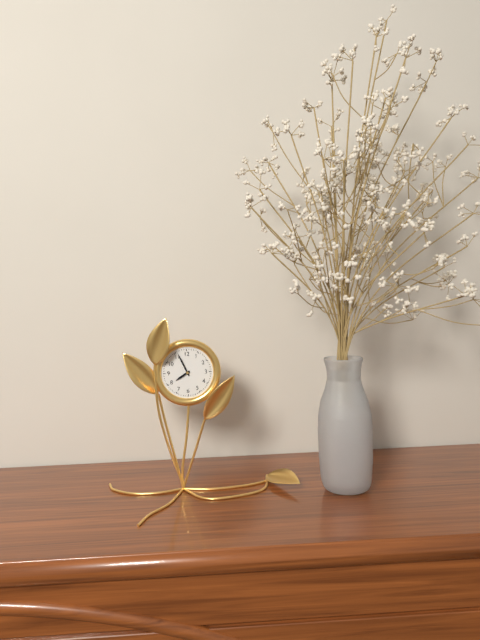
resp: 7,56
